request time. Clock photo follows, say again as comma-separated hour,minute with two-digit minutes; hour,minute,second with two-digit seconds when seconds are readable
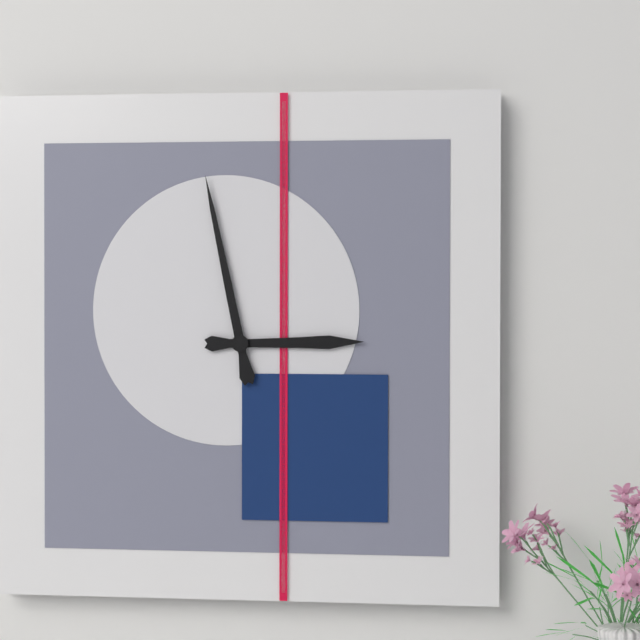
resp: 2,58
